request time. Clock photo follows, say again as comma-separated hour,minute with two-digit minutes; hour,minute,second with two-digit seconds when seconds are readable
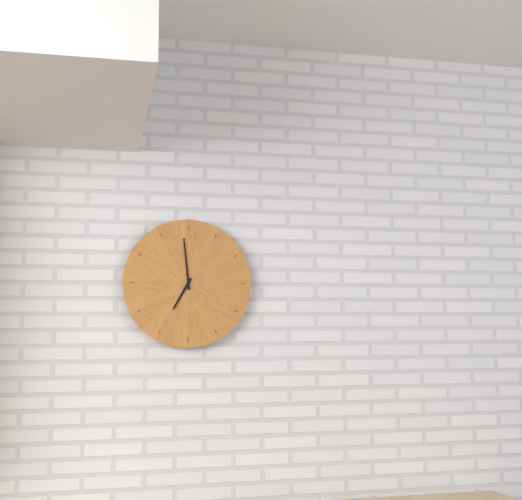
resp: 6,59
